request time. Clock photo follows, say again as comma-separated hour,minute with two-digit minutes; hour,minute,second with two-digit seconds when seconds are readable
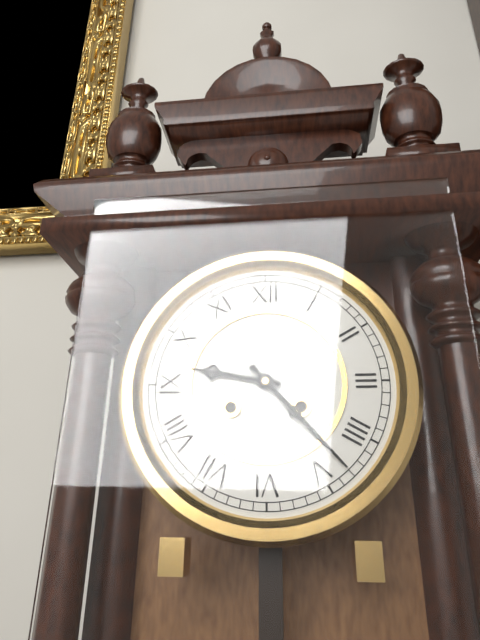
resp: 9,23
